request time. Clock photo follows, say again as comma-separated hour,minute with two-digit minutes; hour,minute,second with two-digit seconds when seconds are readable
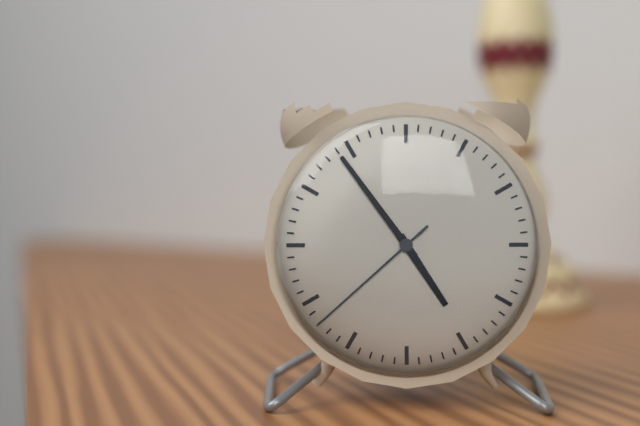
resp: 4,54,38
